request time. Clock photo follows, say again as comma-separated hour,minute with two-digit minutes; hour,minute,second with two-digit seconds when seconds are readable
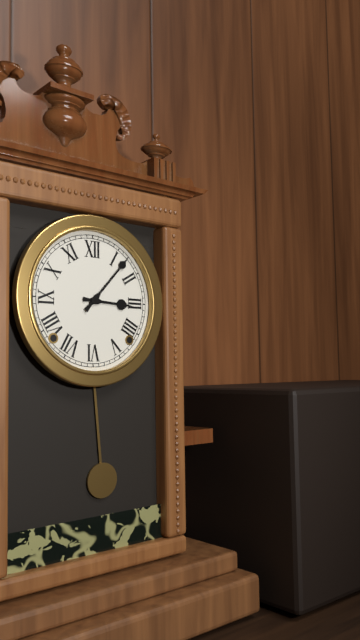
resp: 3,07
